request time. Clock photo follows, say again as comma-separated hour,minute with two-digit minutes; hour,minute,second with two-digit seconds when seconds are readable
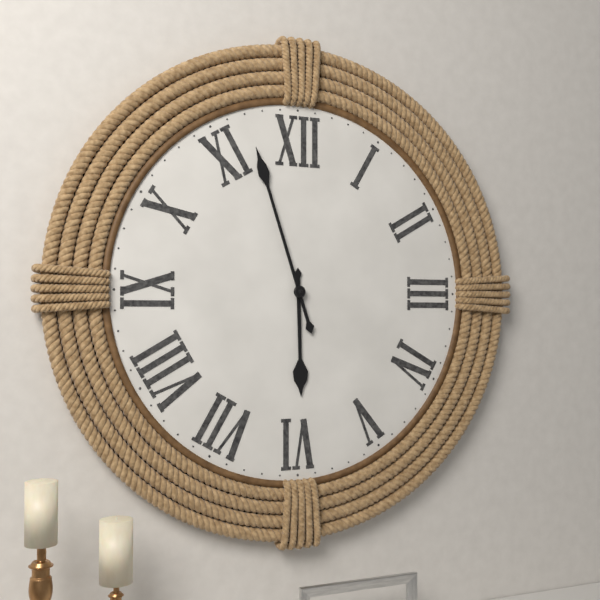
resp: 5,57
